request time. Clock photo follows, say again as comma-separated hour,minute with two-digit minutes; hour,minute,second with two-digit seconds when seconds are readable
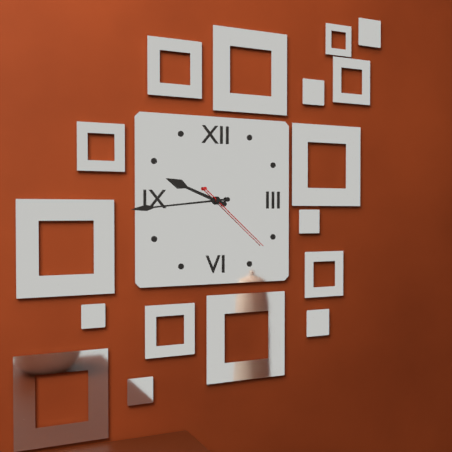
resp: 9,44,22
